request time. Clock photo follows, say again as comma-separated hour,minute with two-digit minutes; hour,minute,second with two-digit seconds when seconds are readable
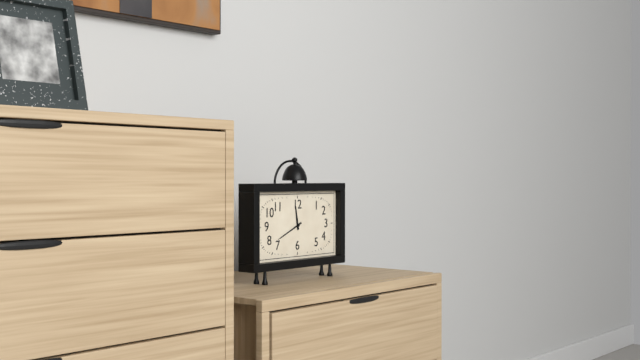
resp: 11,41
